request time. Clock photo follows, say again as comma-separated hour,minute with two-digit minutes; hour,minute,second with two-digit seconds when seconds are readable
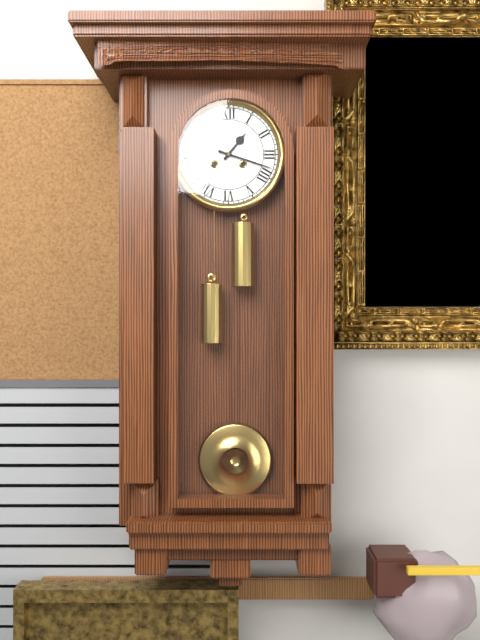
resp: 1,18
